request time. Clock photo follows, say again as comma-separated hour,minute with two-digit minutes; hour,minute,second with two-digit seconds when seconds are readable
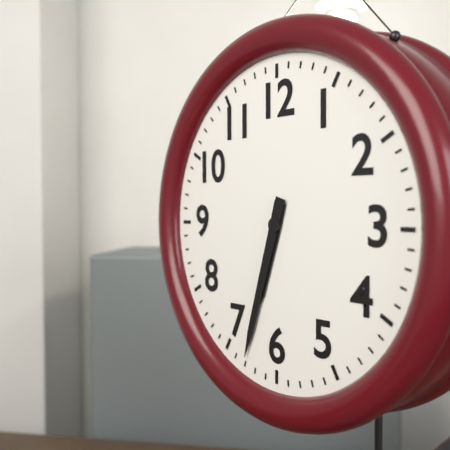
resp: 6,33
